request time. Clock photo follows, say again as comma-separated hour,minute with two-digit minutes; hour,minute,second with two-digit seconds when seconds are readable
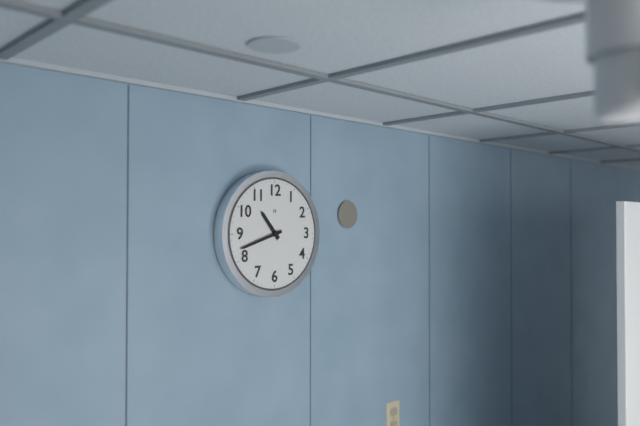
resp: 10,42
